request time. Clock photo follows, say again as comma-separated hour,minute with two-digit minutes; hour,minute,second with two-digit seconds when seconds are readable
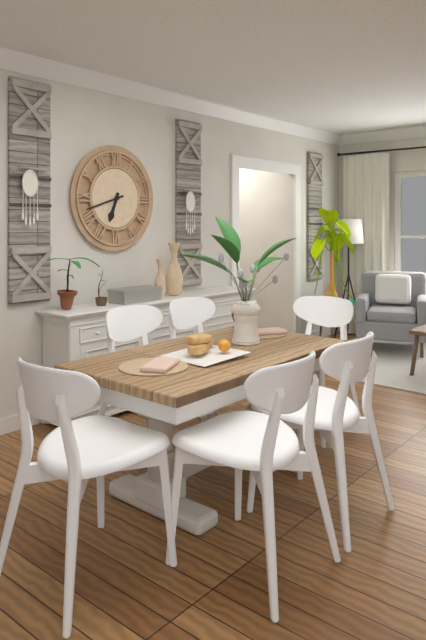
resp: 6,42
